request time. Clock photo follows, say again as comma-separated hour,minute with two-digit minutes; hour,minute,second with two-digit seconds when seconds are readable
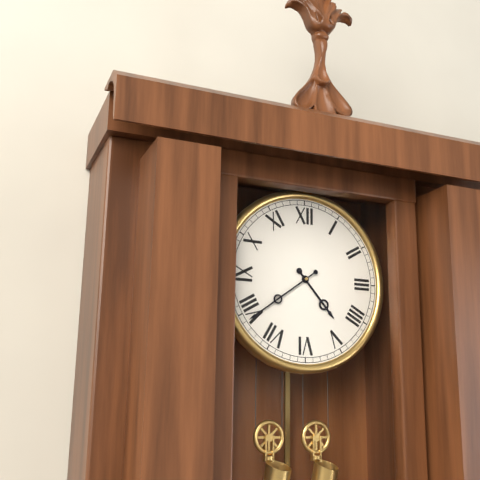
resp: 4,39
